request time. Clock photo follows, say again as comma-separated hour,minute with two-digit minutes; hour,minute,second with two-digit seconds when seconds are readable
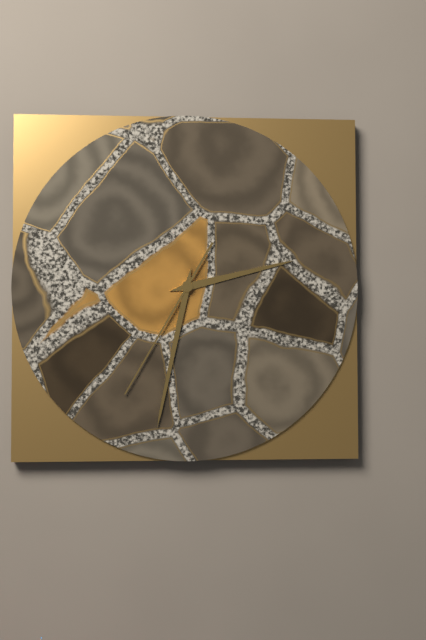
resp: 2,32,35
